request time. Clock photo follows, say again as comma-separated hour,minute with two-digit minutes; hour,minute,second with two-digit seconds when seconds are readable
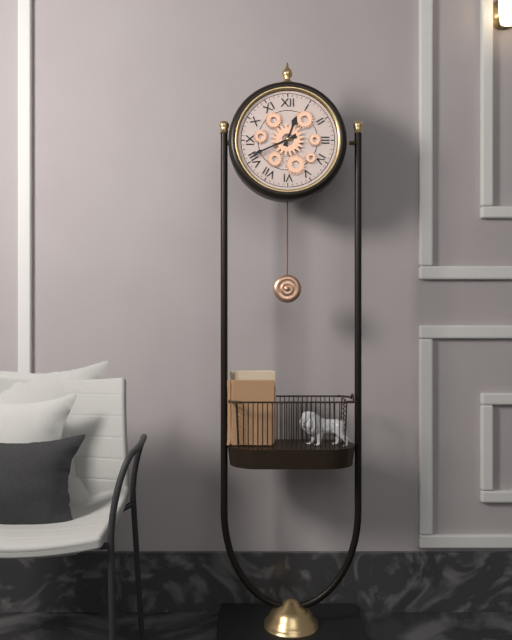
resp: 12,41
